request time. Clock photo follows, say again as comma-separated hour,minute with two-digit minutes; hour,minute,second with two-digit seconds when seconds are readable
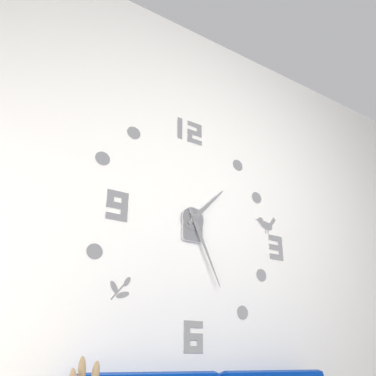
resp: 1,26
